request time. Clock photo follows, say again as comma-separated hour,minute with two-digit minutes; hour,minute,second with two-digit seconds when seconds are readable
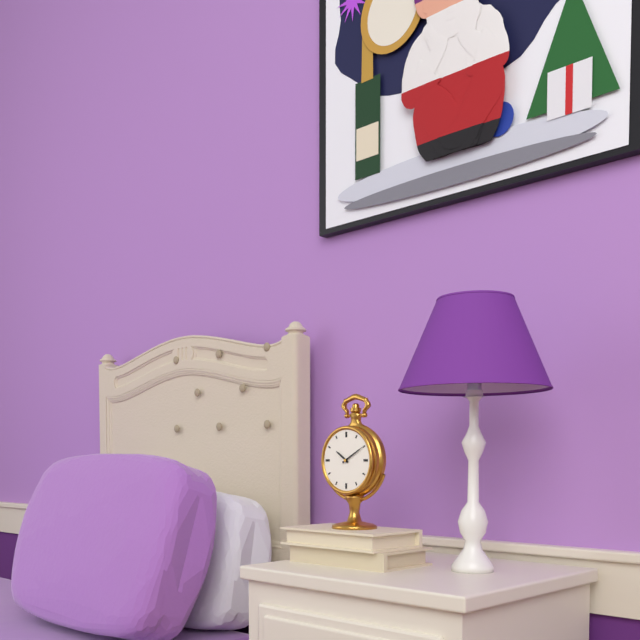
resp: 10,10
